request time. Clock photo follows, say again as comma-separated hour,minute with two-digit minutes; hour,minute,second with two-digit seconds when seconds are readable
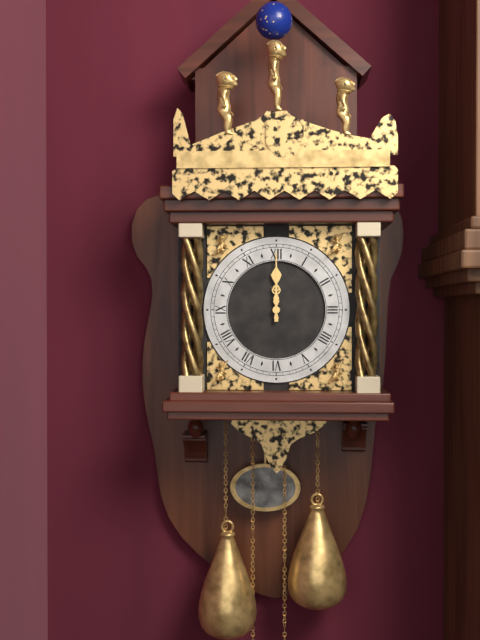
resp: 12,00
